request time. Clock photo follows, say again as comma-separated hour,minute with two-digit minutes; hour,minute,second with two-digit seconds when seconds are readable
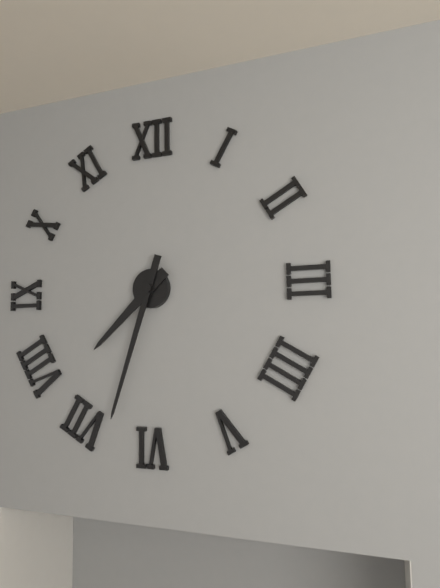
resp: 7,33
